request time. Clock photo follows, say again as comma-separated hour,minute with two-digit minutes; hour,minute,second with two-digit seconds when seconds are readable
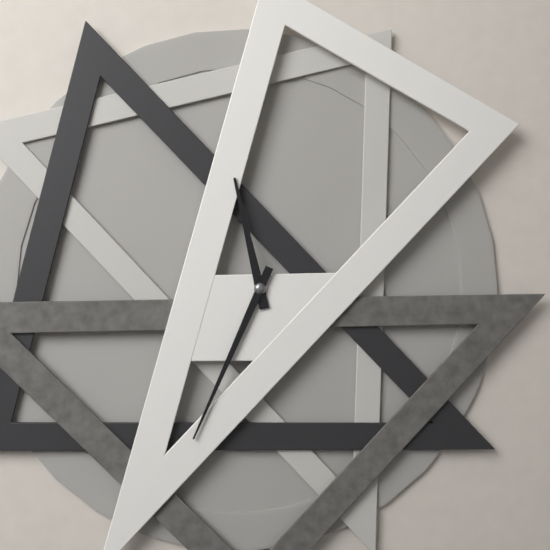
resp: 11,34
